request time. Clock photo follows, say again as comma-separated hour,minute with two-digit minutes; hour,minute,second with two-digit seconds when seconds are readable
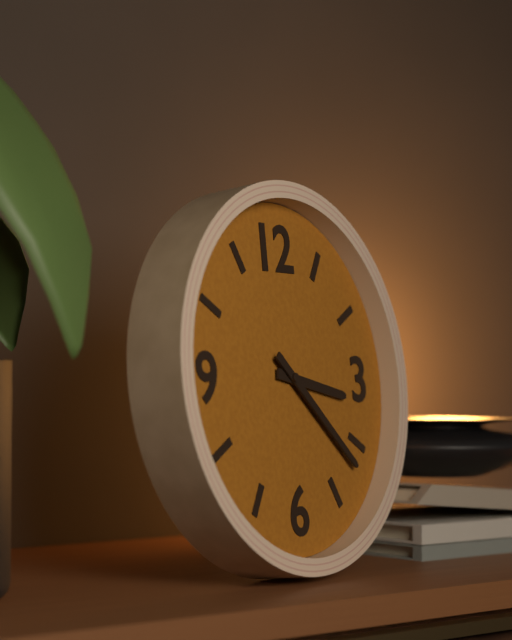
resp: 3,22
